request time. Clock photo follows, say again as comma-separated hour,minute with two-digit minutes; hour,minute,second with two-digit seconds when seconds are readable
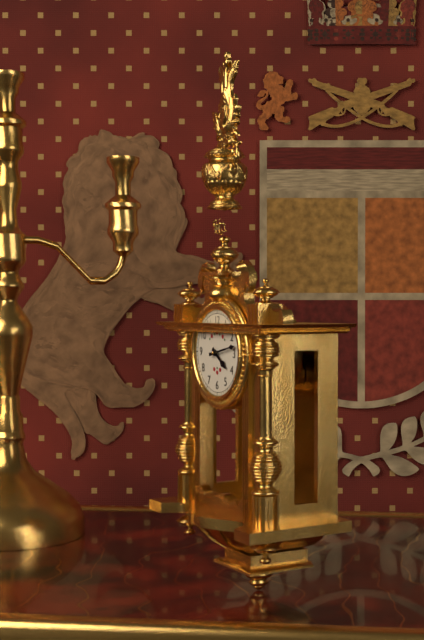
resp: 4,13
